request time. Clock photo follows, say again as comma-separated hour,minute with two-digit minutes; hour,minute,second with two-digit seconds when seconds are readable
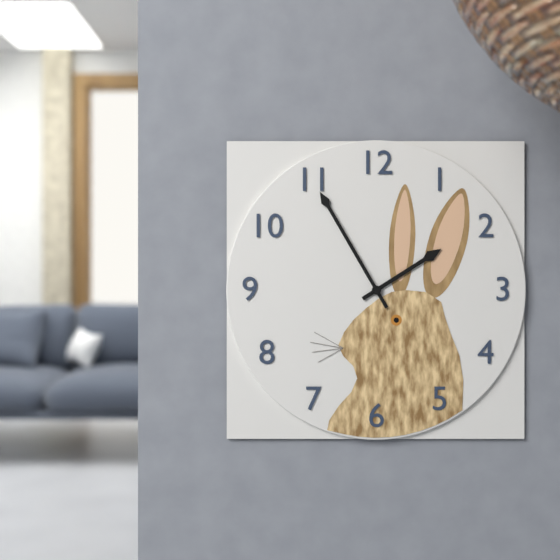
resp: 1,55
